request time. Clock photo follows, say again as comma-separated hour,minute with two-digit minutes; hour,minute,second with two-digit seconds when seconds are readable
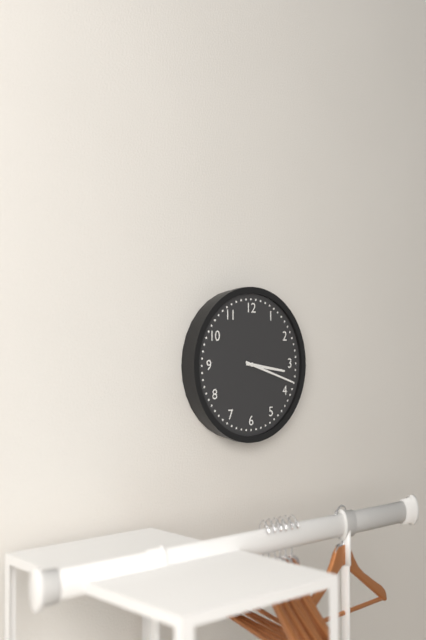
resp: 3,18
